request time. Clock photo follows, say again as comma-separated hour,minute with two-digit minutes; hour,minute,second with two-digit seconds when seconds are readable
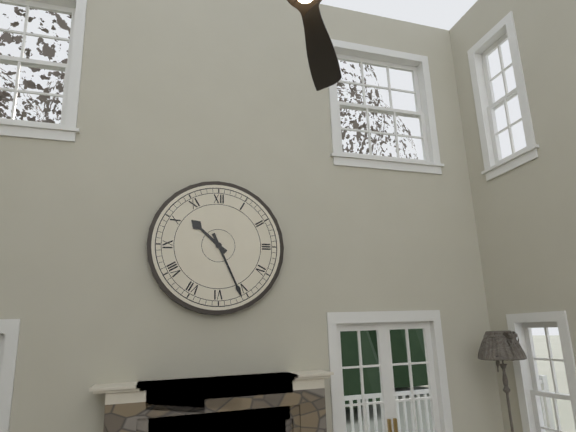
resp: 10,26
